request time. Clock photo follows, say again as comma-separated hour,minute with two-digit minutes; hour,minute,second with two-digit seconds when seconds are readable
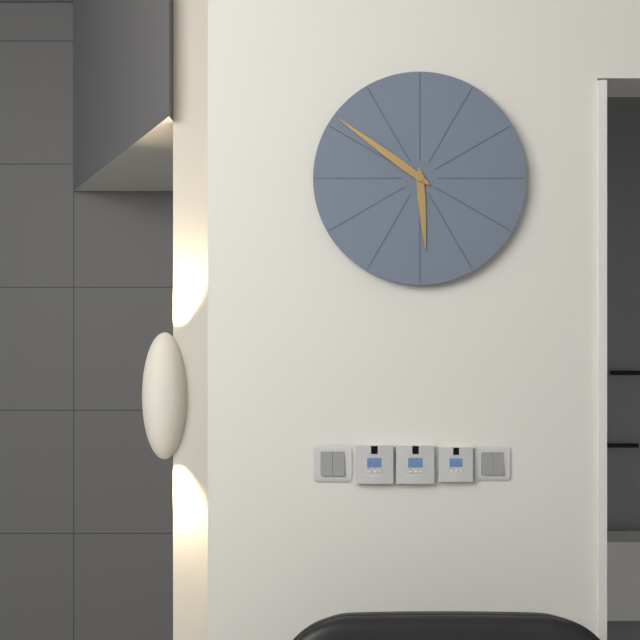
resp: 5,51
